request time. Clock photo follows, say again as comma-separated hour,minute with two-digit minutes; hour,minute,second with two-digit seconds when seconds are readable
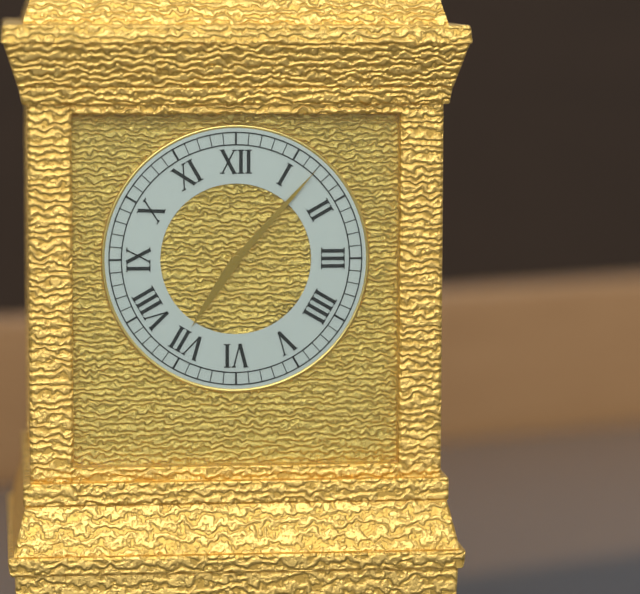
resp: 7,07
